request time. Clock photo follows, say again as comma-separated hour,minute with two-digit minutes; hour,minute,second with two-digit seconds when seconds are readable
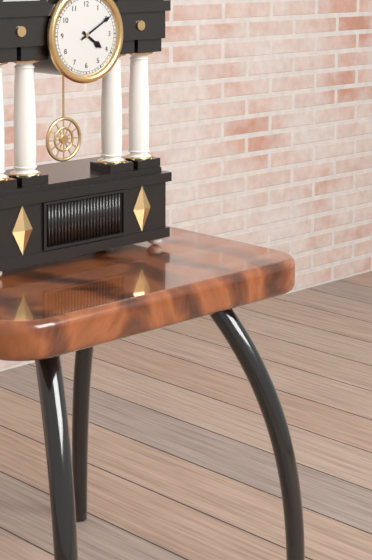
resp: 4,10
